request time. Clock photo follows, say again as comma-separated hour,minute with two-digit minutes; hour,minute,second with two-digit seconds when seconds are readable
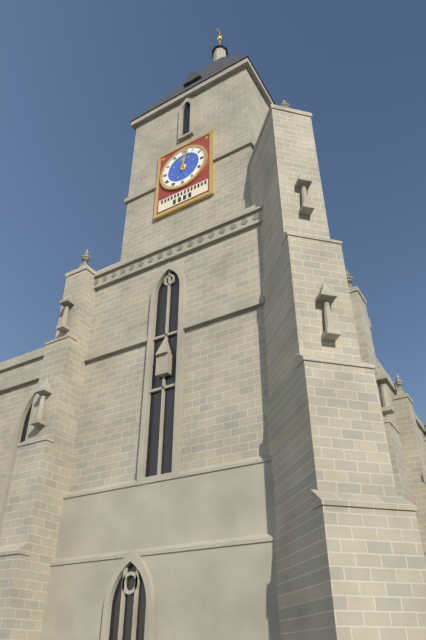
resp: 12,02
